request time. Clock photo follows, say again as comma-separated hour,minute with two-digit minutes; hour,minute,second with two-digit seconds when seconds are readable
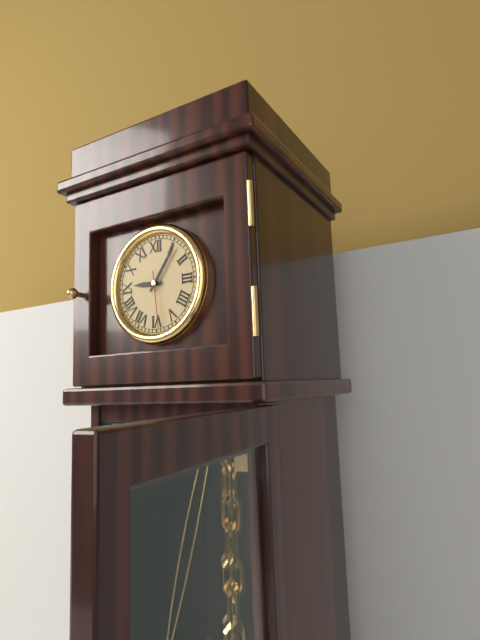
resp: 9,06,29
